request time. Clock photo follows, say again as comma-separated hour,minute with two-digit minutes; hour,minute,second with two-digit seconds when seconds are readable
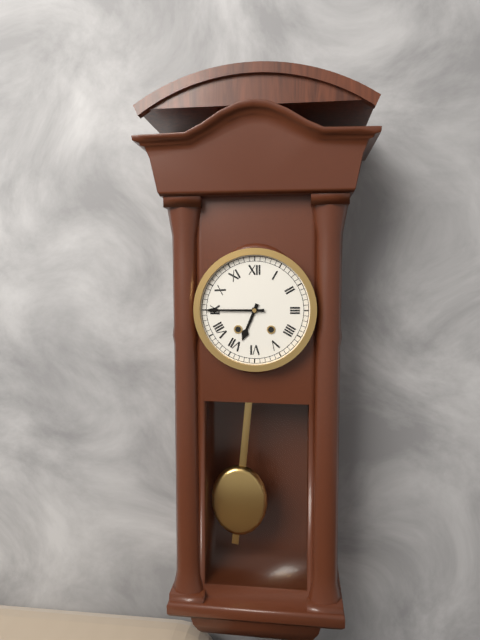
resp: 6,45
